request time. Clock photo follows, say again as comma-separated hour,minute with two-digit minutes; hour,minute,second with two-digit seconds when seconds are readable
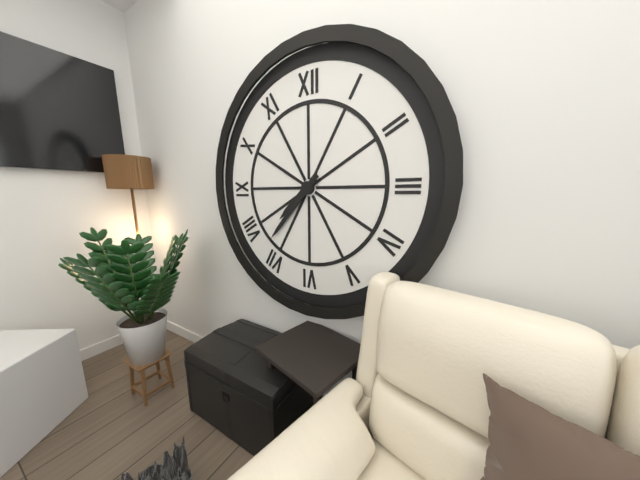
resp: 7,37
